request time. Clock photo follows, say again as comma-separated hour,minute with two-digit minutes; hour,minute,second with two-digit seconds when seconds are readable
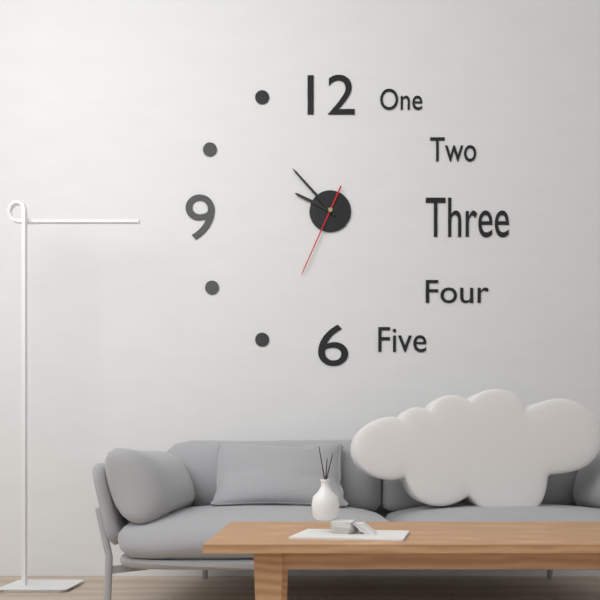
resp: 9,53,34
